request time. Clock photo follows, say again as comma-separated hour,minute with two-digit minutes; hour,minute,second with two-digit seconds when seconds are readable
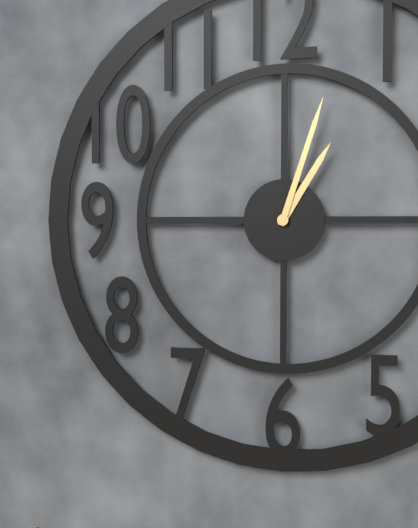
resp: 1,03
